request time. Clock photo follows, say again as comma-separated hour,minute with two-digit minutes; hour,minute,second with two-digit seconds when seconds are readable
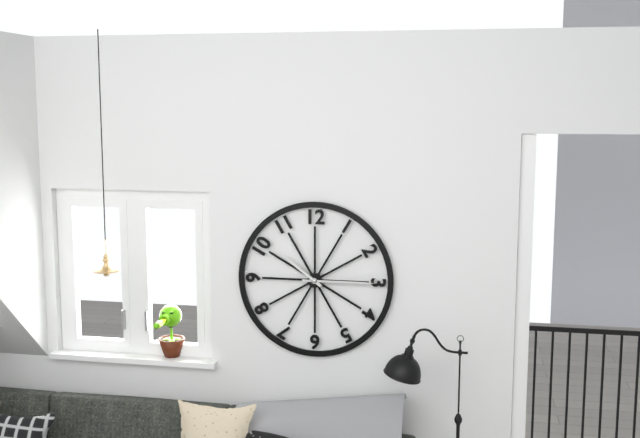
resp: 10,15
